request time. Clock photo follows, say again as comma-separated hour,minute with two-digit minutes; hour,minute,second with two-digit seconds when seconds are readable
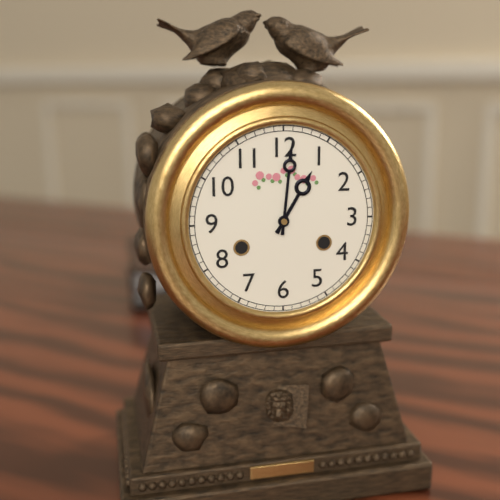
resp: 1,01
